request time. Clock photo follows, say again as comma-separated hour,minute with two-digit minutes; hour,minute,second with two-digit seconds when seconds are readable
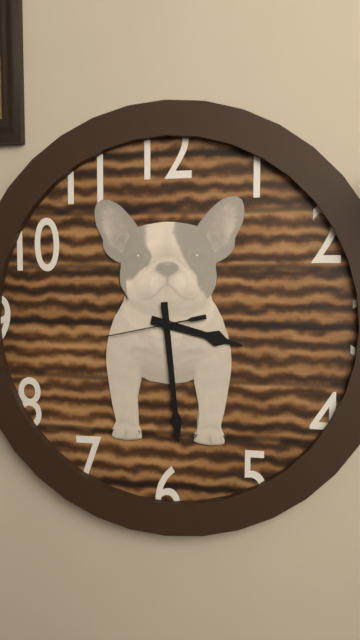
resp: 3,29,43
